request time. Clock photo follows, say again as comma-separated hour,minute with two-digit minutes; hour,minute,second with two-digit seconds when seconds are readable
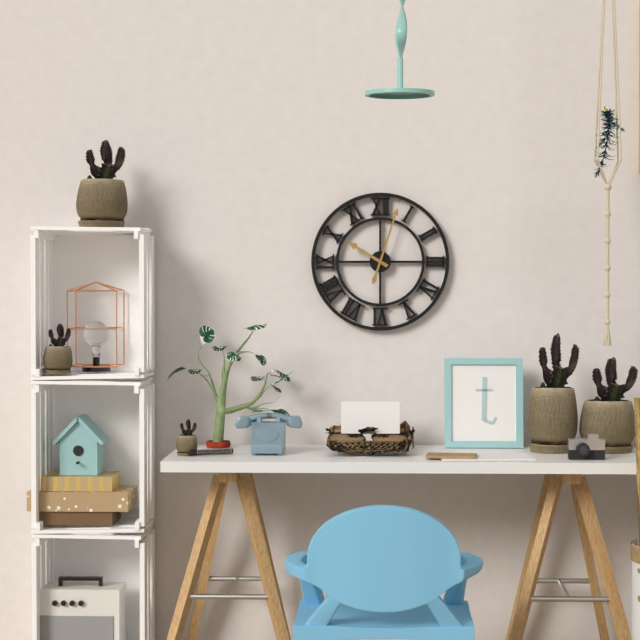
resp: 10,03
